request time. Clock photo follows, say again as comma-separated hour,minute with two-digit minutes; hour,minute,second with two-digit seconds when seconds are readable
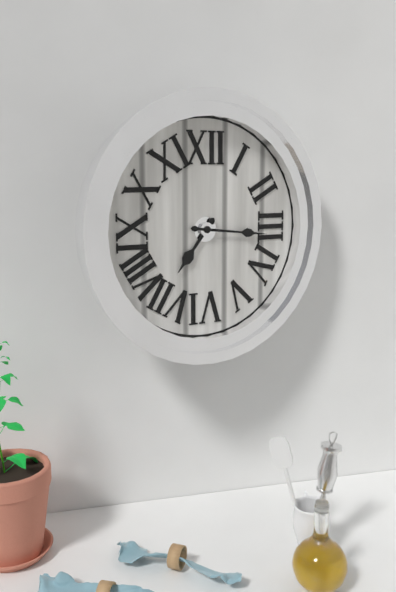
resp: 7,16
